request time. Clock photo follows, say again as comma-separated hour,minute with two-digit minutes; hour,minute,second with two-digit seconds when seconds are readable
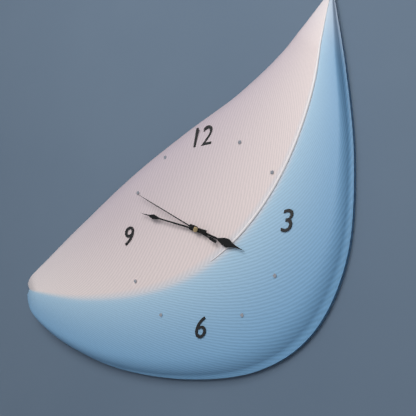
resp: 3,48,50
